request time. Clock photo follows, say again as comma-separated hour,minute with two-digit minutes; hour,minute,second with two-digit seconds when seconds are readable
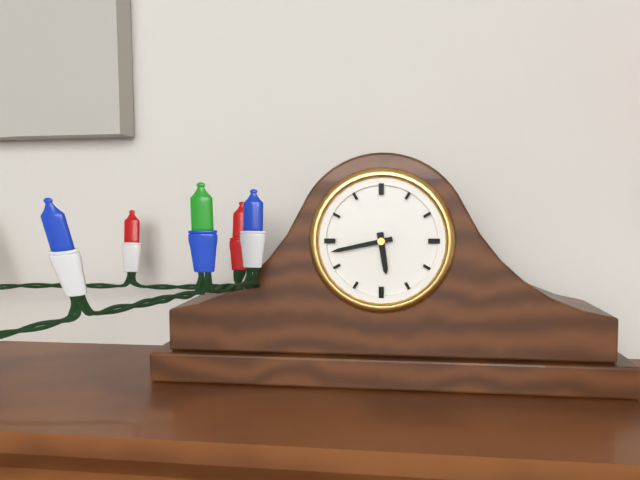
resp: 5,43
